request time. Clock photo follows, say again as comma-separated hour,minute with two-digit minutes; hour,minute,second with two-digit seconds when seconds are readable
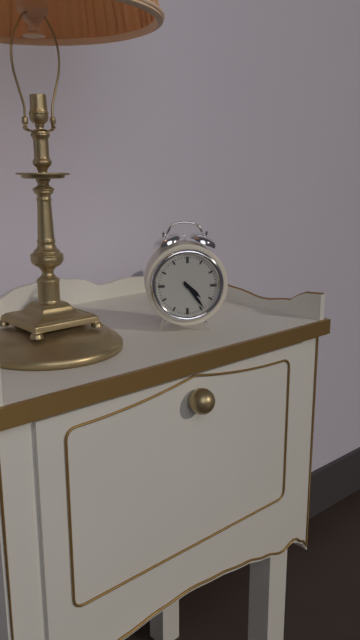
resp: 4,24
